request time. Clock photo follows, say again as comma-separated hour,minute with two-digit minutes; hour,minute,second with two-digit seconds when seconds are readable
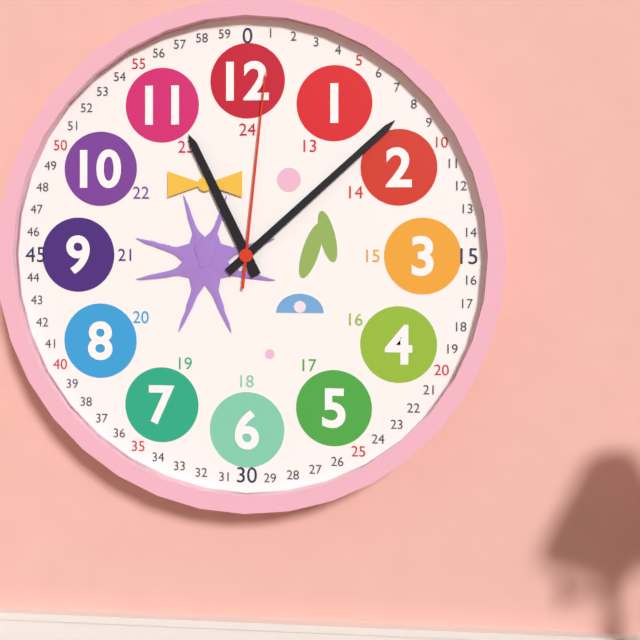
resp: 11,08,01
